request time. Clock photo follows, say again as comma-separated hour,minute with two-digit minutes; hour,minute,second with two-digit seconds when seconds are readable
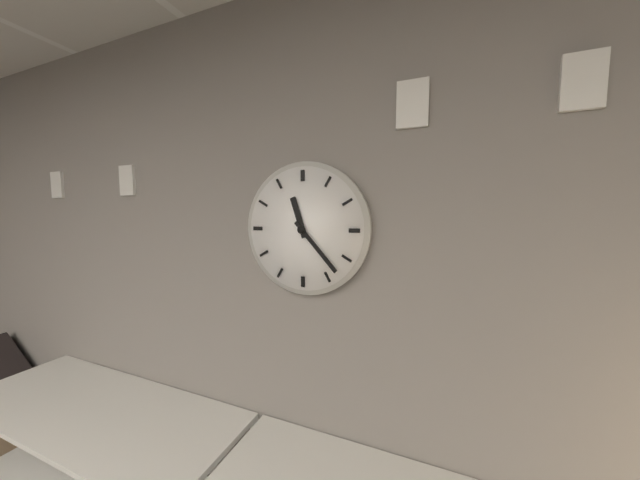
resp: 11,23
